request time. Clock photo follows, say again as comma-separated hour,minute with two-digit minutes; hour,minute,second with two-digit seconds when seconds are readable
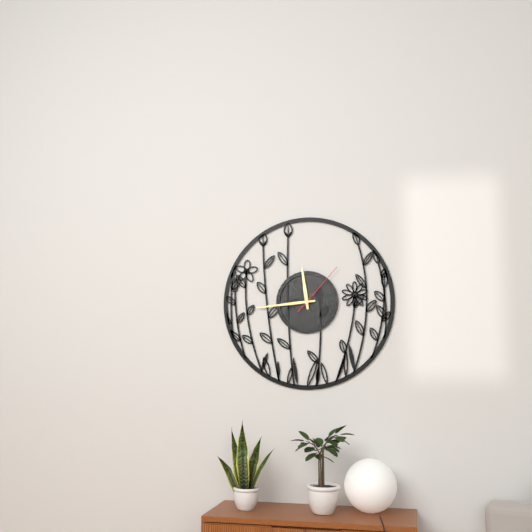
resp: 11,44,07
